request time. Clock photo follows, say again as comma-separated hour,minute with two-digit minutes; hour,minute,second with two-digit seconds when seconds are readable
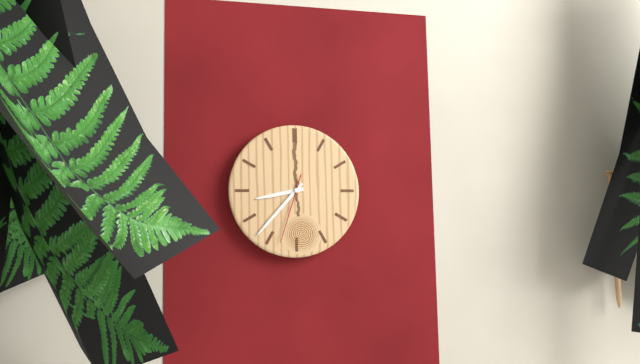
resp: 8,37,33
